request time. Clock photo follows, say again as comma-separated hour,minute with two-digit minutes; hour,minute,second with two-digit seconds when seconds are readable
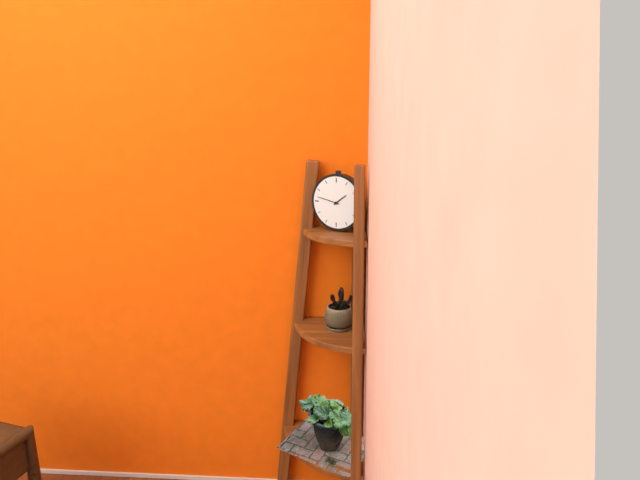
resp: 1,47
